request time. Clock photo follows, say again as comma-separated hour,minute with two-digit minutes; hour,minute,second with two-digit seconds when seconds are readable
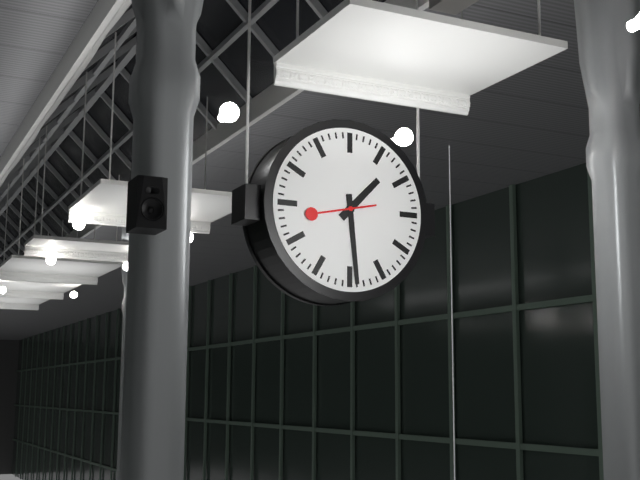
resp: 1,29,43
